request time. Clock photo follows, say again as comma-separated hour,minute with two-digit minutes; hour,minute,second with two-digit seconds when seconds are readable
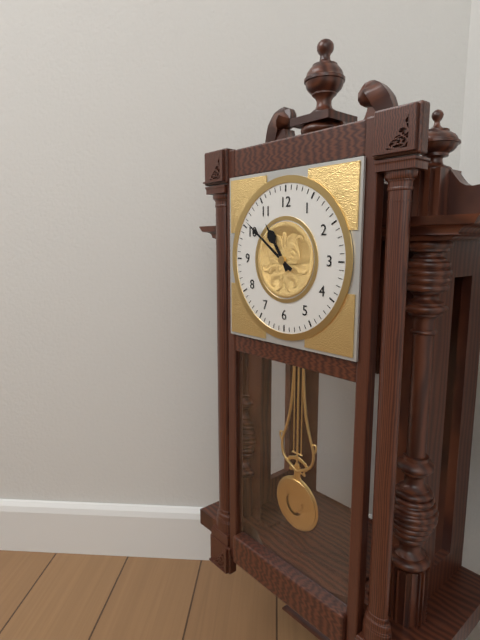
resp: 10,51
